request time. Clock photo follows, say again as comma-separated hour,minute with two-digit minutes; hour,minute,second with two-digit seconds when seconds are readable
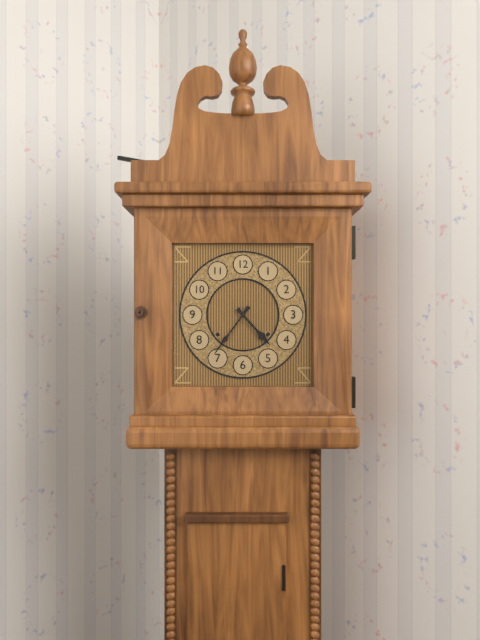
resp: 4,36
